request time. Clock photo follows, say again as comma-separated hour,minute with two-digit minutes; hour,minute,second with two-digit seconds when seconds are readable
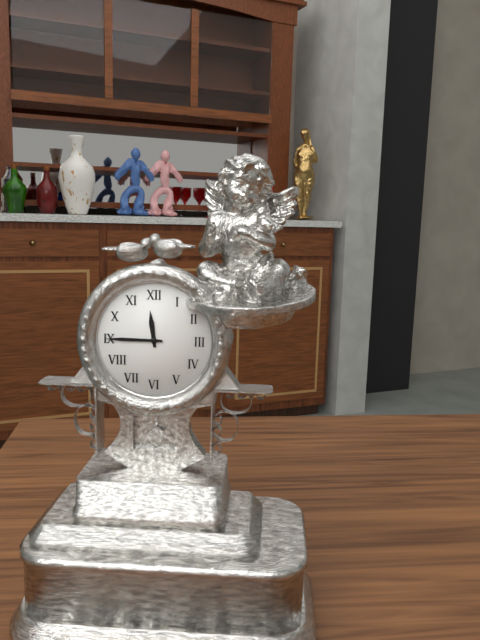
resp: 11,45
